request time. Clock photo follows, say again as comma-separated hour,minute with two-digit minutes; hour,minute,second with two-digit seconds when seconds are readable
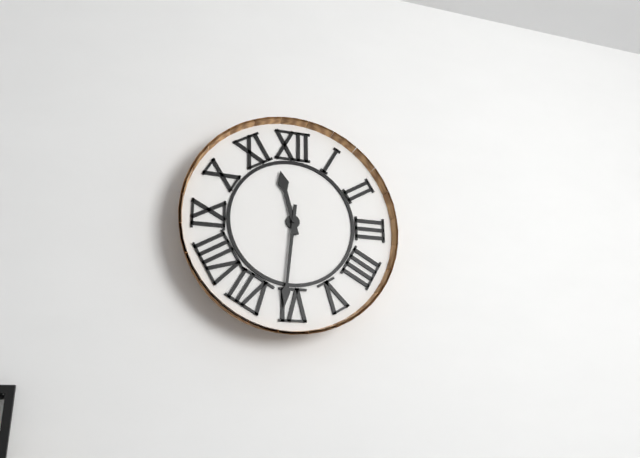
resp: 11,31
